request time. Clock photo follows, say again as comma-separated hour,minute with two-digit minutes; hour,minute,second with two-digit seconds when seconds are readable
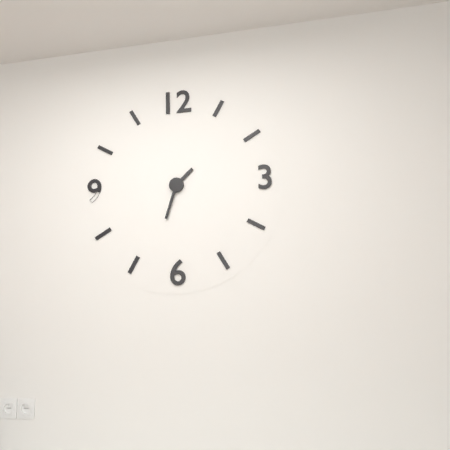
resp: 1,33
